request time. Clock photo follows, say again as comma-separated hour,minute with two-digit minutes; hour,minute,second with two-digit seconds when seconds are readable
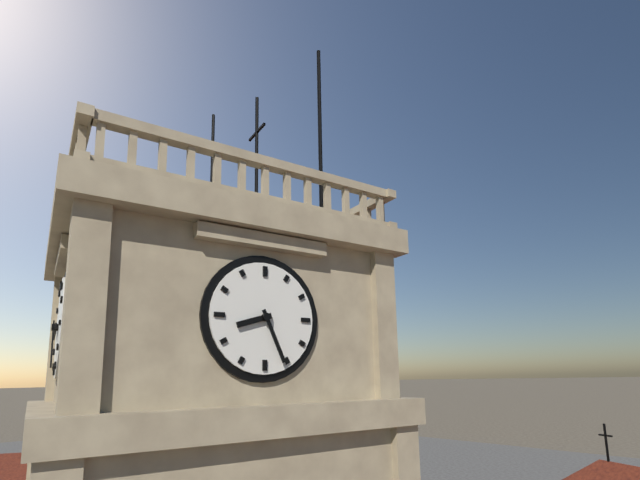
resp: 8,26
